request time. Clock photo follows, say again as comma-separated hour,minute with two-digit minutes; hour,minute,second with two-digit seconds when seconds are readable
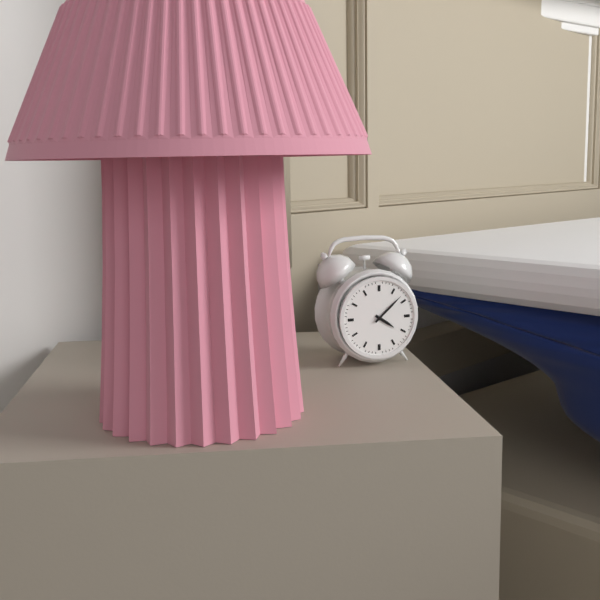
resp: 4,08
